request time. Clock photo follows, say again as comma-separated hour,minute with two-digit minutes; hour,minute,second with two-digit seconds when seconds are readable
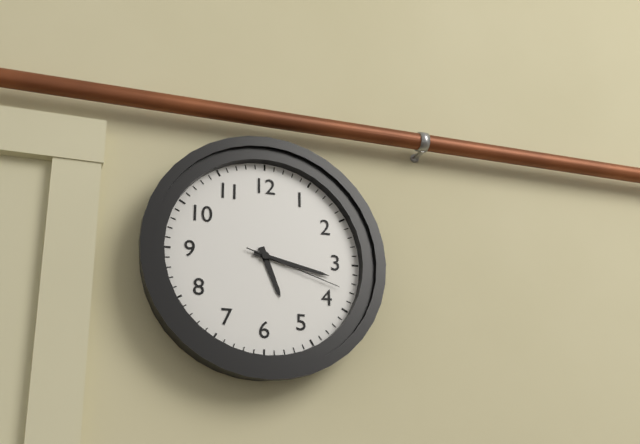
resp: 5,17,18
